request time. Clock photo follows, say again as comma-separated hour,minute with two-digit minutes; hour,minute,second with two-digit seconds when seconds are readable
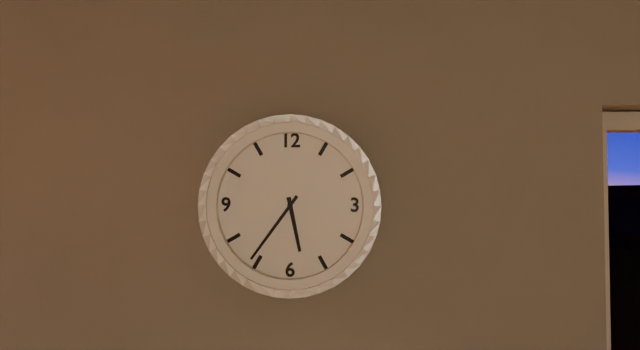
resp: 5,36
